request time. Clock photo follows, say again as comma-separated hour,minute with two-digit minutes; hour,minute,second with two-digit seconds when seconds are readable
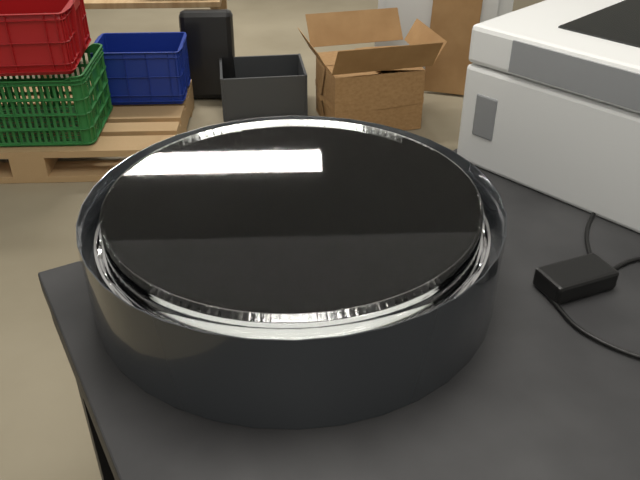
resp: 7,04
